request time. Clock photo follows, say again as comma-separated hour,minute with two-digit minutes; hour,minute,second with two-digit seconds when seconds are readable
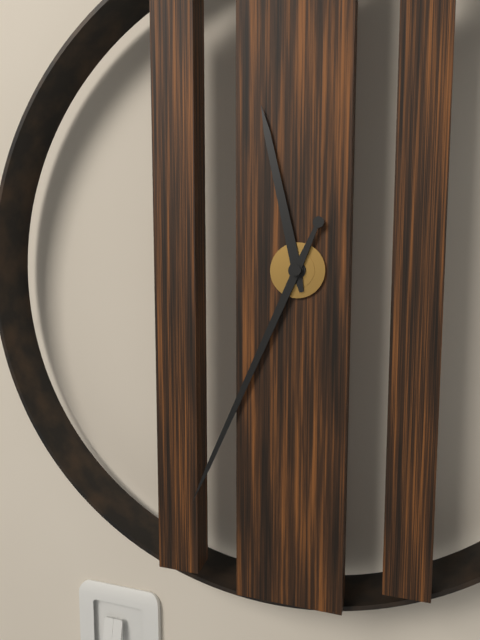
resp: 11,34
